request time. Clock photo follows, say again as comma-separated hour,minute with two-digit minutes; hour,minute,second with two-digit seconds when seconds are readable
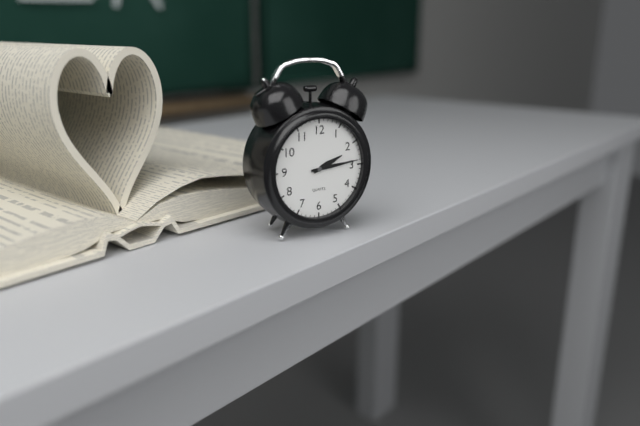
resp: 2,14
